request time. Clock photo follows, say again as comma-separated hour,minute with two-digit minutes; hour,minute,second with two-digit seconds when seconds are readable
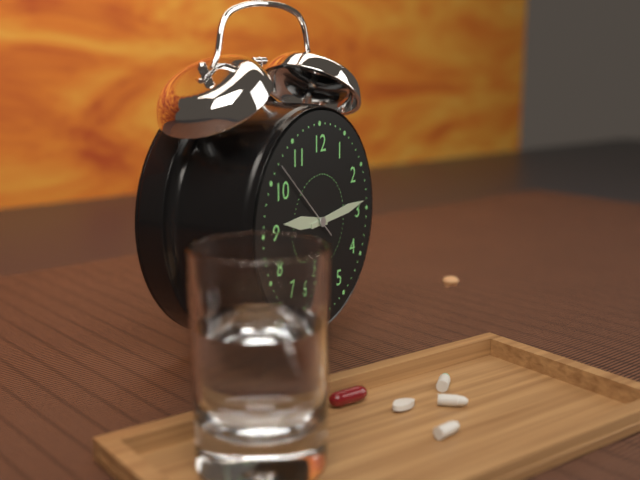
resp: 9,14,52
